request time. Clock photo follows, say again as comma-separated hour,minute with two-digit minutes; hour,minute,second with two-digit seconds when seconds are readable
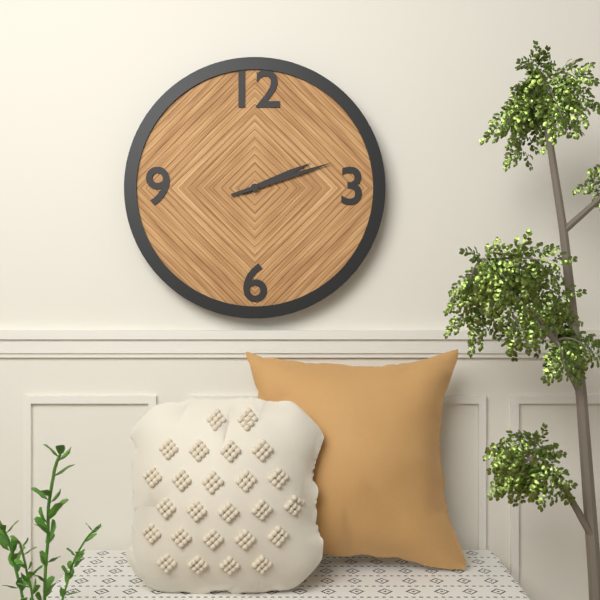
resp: 2,12
